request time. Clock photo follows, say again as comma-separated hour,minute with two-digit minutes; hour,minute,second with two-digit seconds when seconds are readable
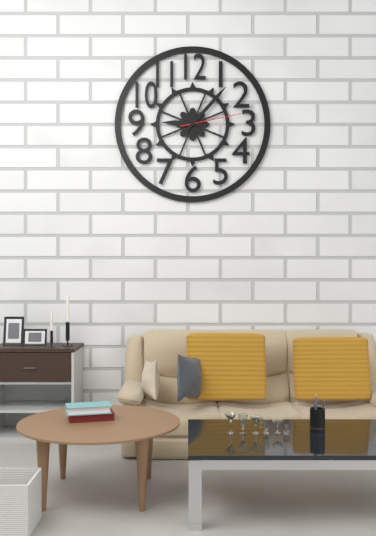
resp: 9,07,13
